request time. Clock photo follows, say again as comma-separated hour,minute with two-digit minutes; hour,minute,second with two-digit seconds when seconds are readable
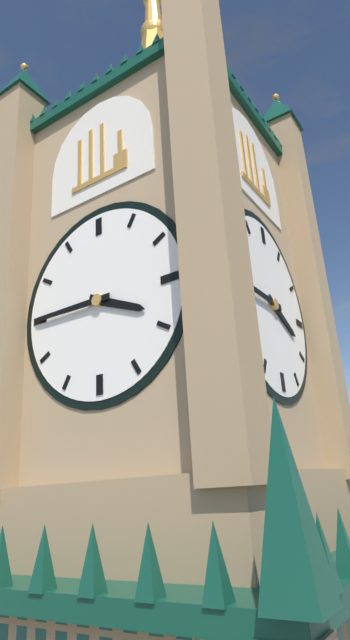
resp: 3,45
